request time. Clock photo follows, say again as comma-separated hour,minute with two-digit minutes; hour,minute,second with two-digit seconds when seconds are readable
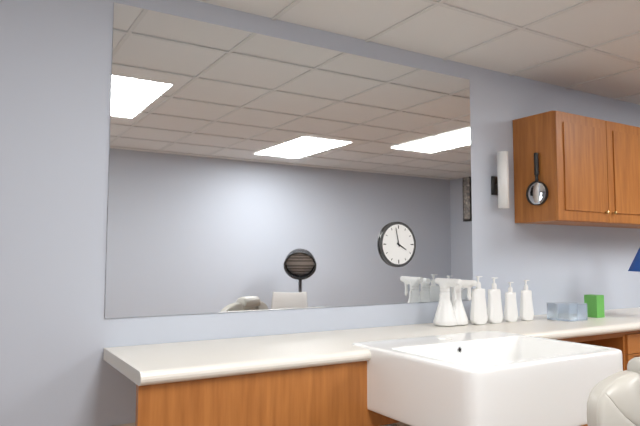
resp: 3,58
